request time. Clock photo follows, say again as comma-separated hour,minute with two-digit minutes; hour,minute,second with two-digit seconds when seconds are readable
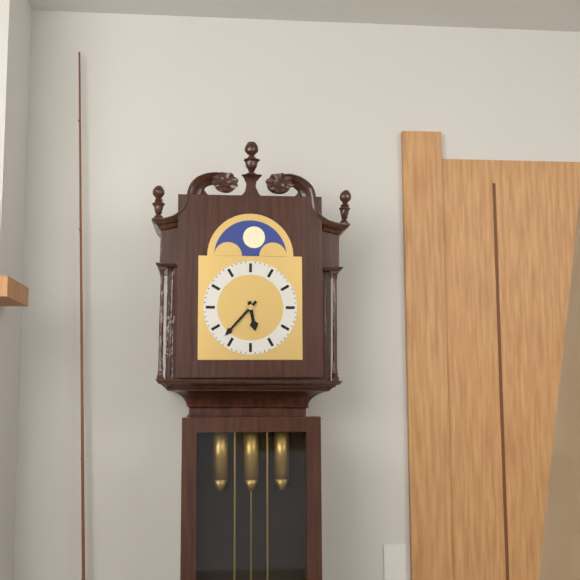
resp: 5,37
